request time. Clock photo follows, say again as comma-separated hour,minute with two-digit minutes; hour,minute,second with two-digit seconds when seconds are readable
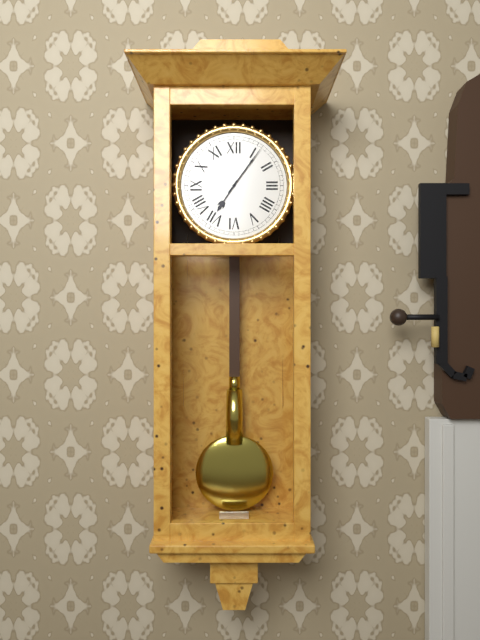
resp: 7,06
